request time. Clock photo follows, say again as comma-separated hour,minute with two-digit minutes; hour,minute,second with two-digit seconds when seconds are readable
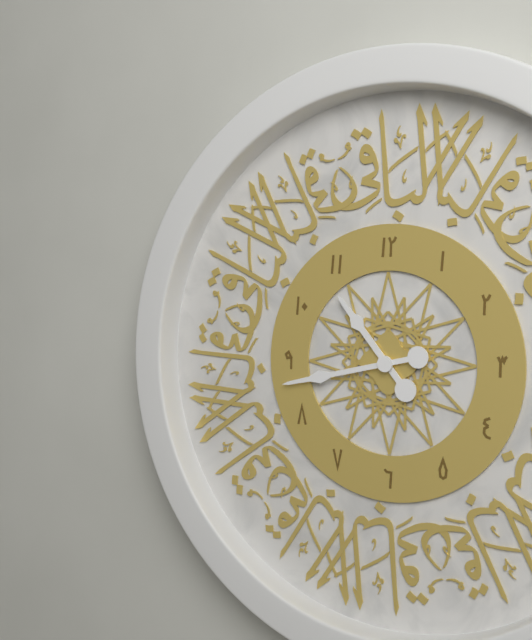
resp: 10,43
